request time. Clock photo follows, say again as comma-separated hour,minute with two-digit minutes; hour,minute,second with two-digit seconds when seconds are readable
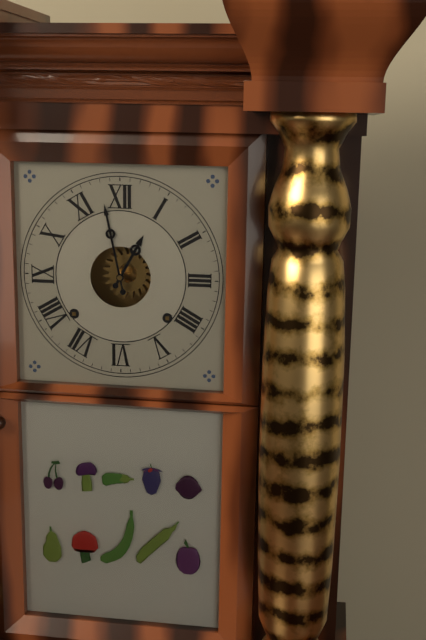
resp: 12,58
